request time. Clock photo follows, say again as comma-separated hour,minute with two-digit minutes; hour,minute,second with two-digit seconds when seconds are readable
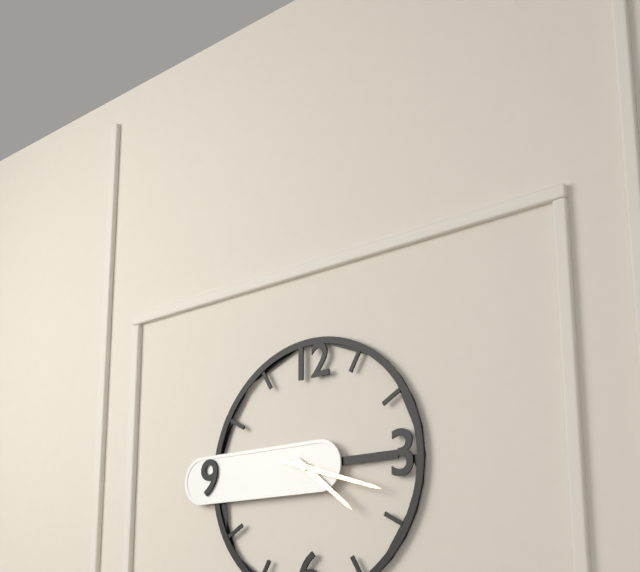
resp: 4,18
